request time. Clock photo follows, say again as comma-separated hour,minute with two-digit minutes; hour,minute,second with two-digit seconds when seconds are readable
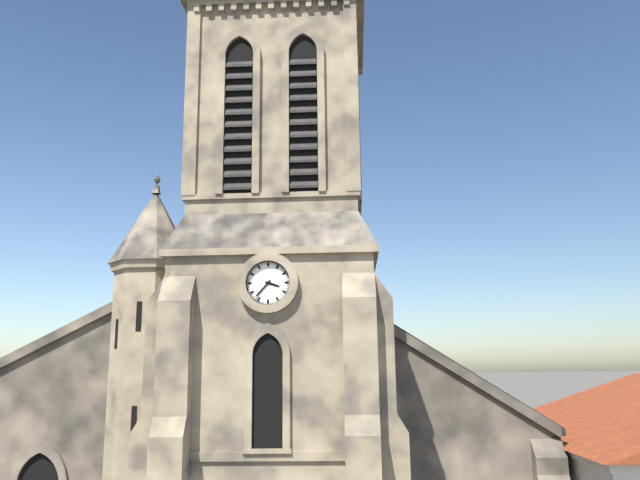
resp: 3,37
